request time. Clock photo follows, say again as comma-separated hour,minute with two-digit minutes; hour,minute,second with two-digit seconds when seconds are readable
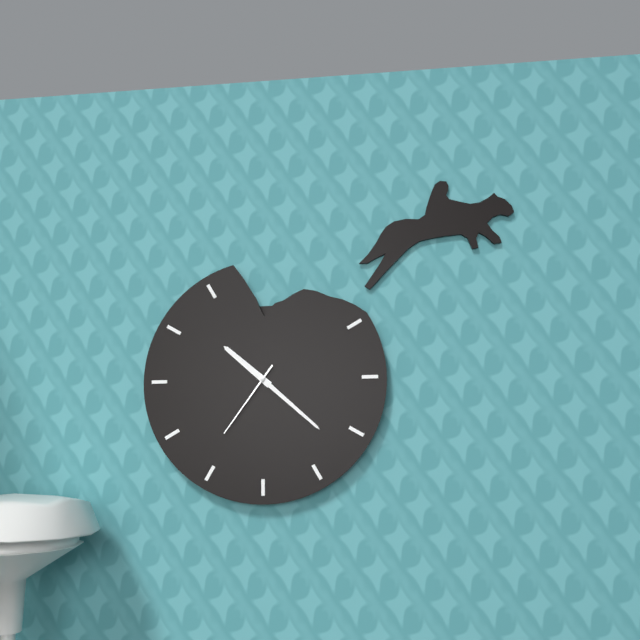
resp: 10,22,36
